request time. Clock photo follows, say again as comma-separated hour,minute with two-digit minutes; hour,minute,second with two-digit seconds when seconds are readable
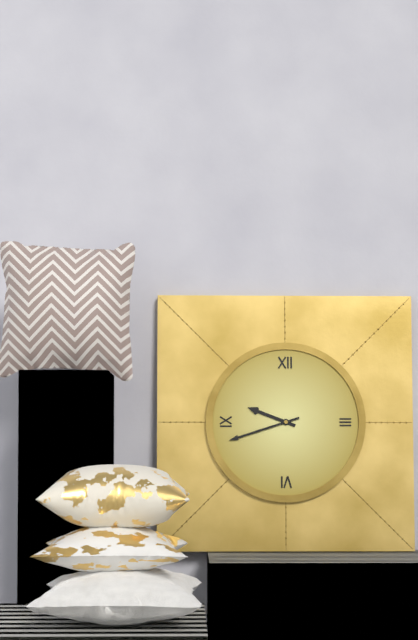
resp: 9,42
